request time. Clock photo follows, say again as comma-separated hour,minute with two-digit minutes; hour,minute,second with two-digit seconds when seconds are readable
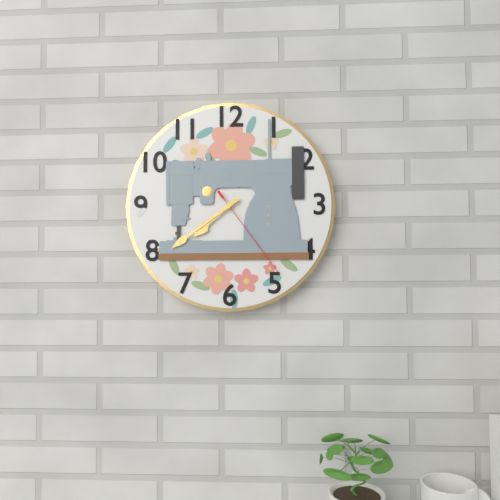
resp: 7,39,24
